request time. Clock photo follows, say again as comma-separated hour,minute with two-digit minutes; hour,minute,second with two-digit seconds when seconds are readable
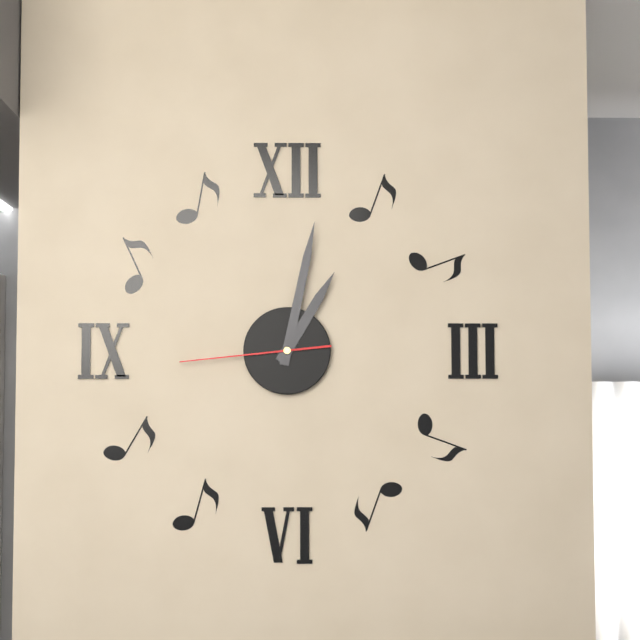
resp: 1,02,44
